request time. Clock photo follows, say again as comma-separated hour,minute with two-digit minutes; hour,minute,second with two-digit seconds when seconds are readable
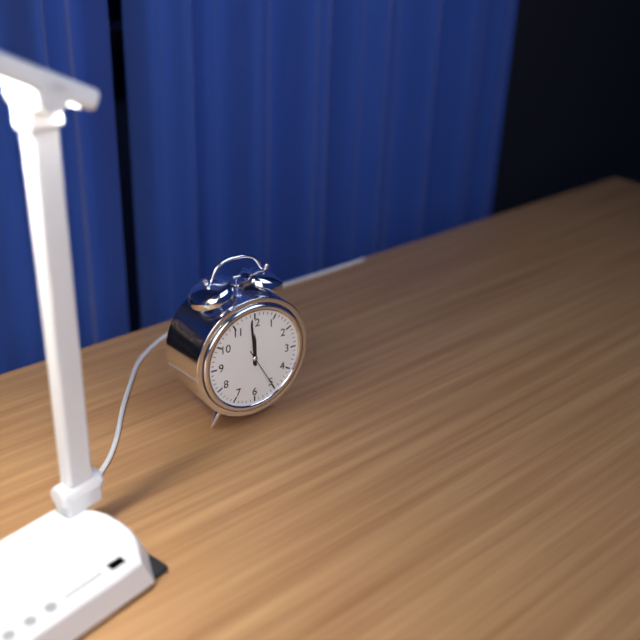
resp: 11,59
